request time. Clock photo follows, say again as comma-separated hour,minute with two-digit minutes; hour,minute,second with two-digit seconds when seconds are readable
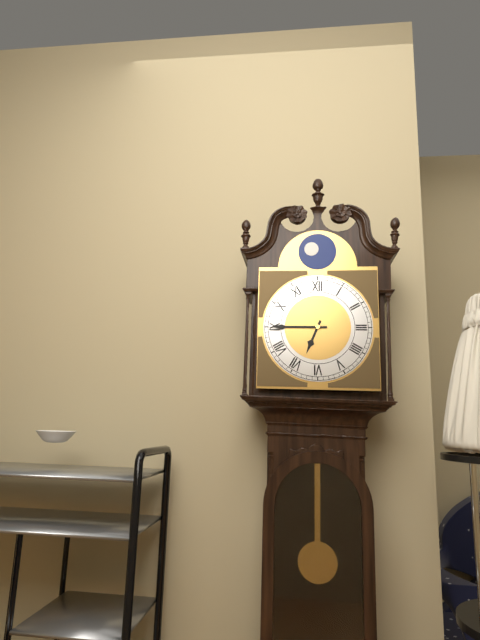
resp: 6,45
